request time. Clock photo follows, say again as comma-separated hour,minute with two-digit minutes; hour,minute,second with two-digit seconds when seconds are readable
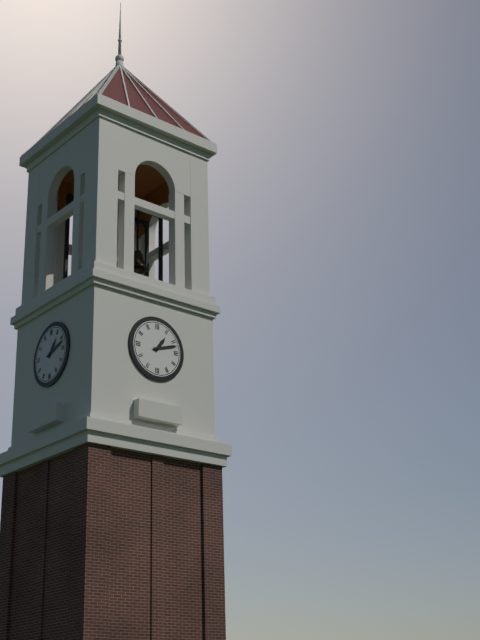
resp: 1,12
